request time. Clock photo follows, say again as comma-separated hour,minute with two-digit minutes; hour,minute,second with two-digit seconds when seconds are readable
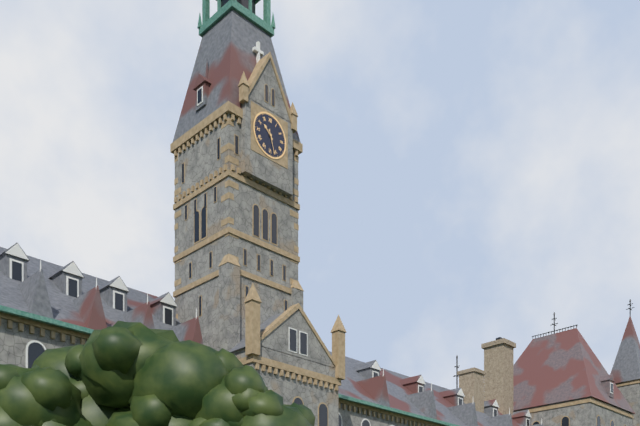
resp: 10,27
